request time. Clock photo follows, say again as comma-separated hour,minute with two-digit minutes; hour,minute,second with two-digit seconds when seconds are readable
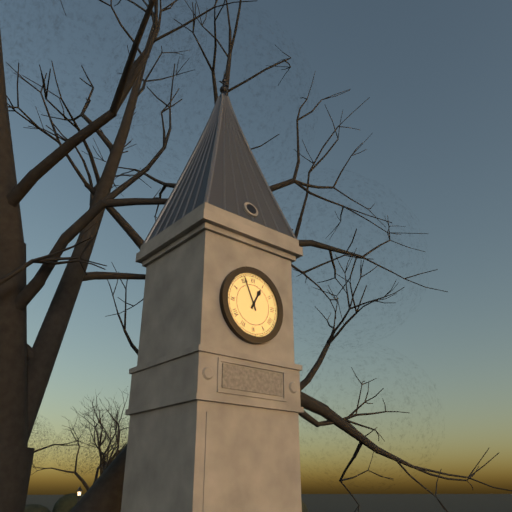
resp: 12,56
